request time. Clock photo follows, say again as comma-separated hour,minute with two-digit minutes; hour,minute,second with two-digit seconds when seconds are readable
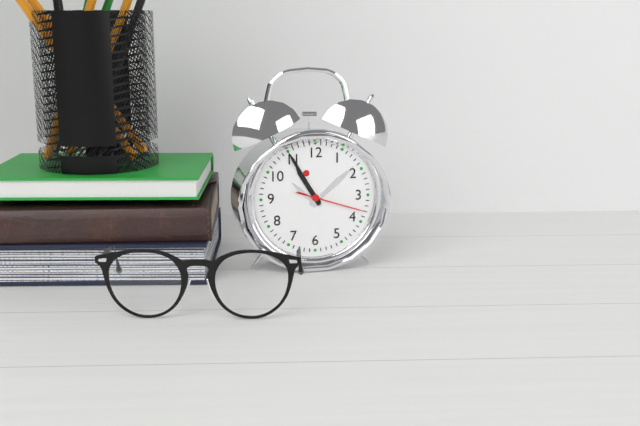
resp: 10,55,18
